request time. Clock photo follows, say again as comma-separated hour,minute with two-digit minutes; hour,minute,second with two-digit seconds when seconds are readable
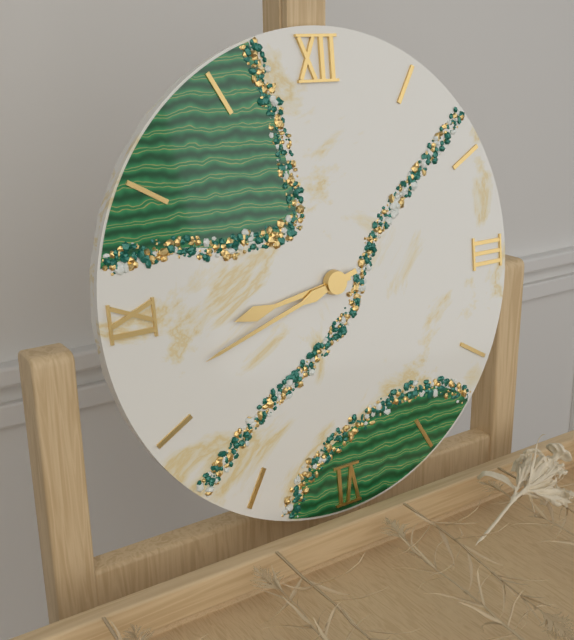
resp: 8,42
